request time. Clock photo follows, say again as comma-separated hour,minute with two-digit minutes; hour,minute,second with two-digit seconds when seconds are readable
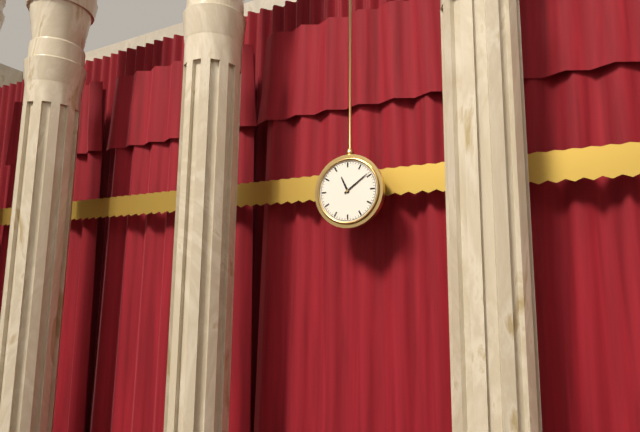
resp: 11,09
